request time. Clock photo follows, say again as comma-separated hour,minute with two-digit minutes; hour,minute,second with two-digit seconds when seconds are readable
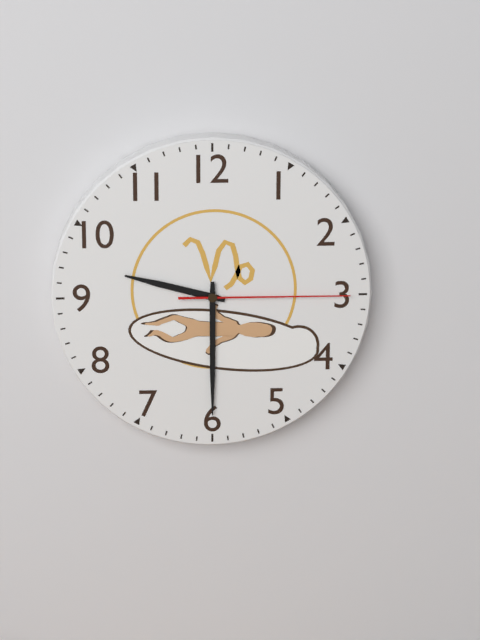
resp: 9,30,15
